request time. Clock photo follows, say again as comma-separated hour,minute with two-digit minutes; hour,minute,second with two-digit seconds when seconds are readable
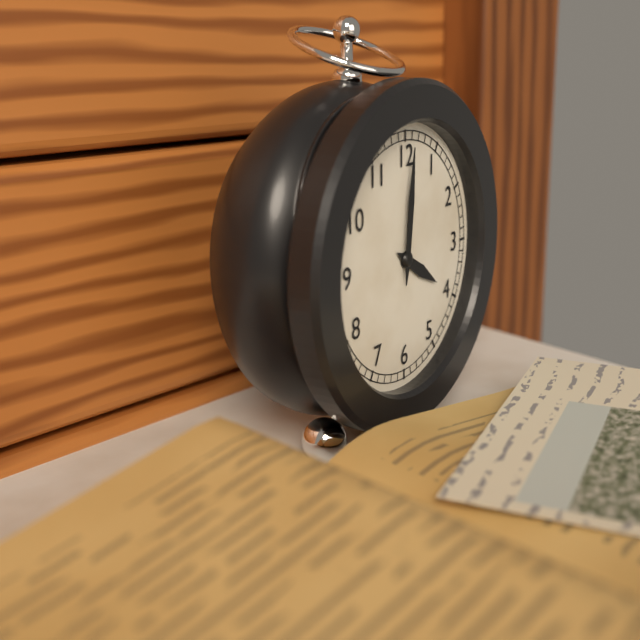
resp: 4,01
